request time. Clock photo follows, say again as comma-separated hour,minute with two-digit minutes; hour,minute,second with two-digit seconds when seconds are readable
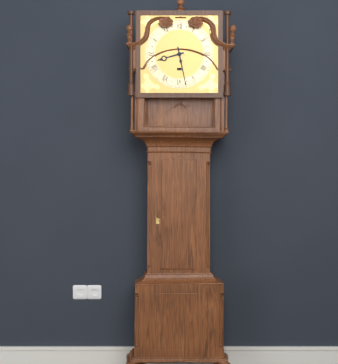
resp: 8,28
